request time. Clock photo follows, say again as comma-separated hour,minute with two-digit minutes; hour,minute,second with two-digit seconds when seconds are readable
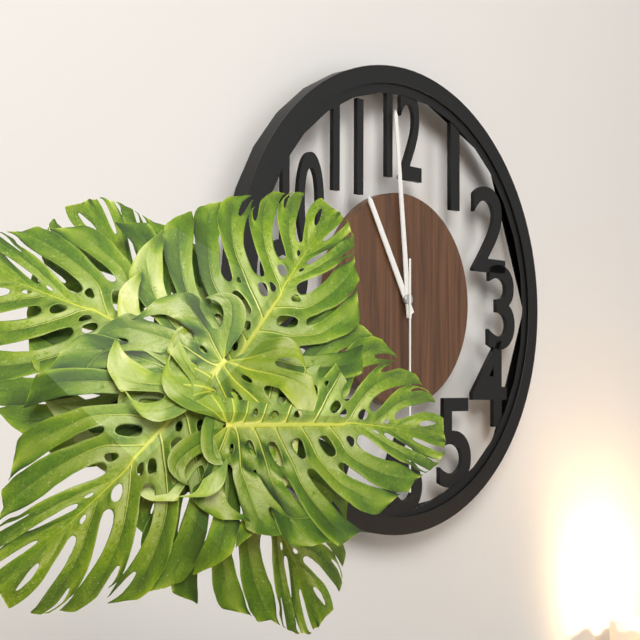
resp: 10,59,30
